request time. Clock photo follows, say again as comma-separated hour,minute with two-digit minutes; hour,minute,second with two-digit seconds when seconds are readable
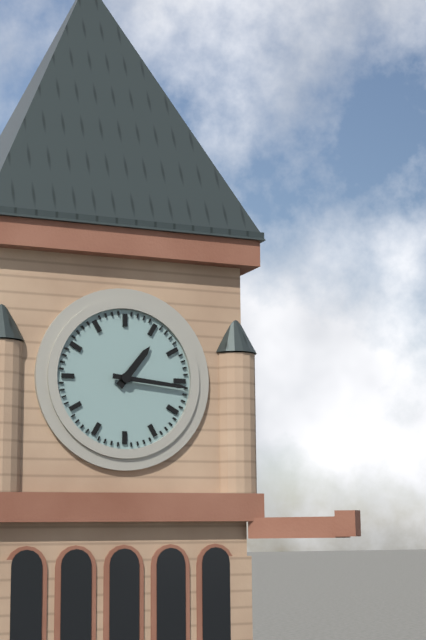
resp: 1,16
